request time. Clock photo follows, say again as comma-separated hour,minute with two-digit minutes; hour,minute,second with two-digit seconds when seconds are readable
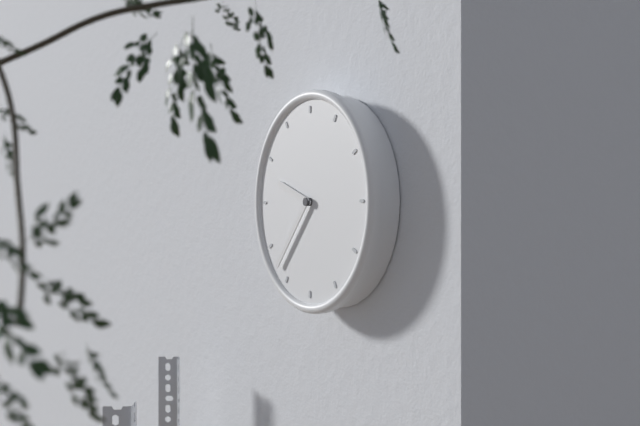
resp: 9,37
